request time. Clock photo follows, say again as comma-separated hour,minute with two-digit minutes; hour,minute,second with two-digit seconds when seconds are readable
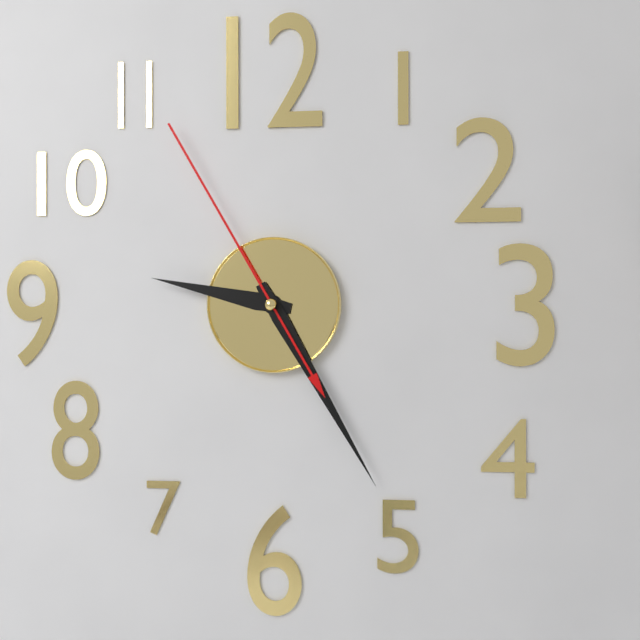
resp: 9,25,55
